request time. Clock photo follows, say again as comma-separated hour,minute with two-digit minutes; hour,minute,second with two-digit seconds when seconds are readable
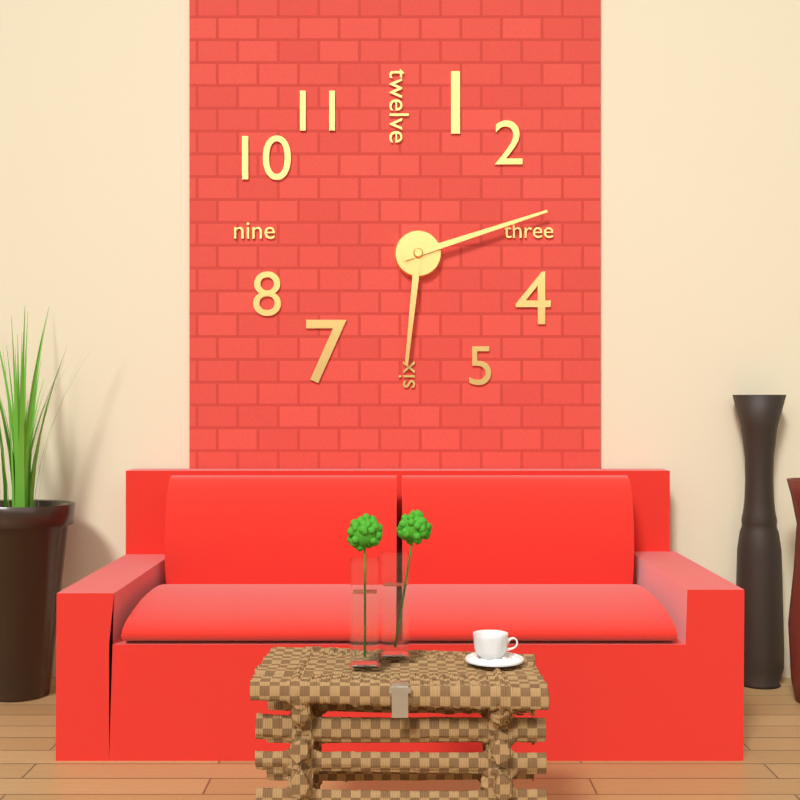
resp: 6,12
